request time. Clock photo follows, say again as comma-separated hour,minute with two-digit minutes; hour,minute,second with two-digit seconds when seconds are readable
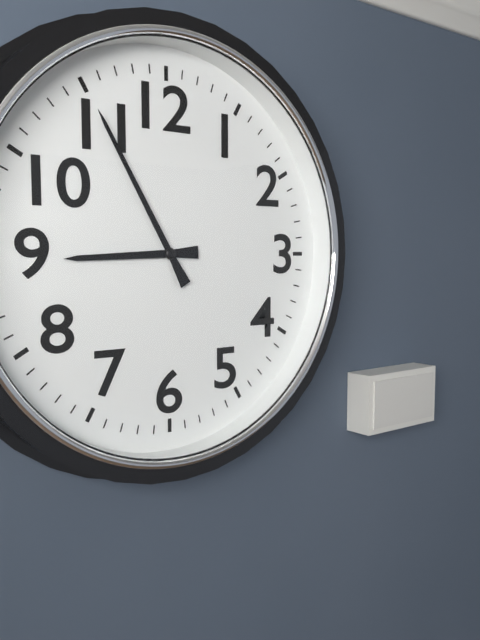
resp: 8,55
